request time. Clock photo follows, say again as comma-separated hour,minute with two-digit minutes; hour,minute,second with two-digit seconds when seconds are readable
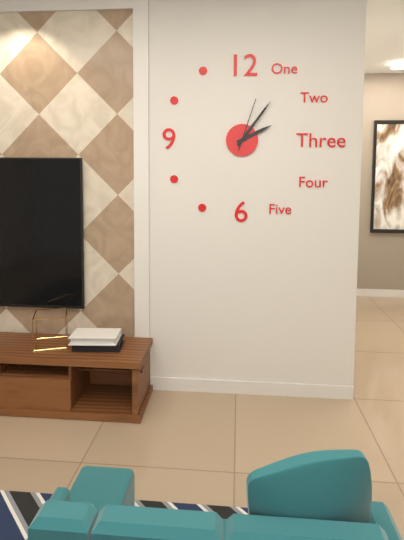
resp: 2,06,03
